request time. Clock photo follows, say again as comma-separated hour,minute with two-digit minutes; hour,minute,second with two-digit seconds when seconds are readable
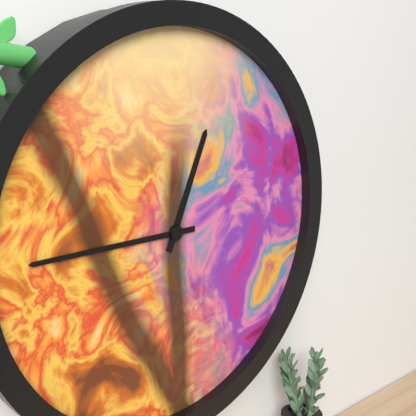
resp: 12,45
